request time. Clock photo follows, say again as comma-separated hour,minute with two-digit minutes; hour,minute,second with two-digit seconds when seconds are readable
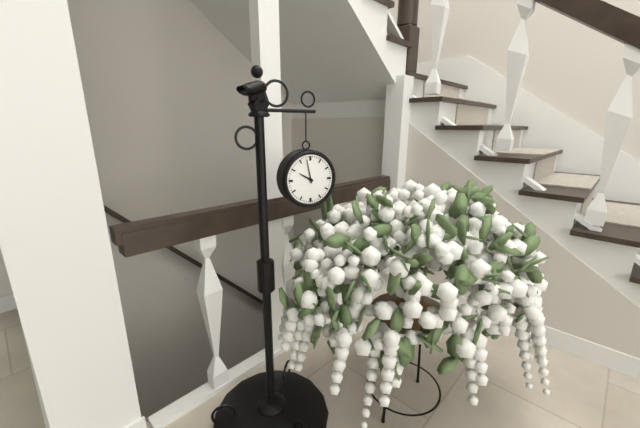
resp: 9,58
